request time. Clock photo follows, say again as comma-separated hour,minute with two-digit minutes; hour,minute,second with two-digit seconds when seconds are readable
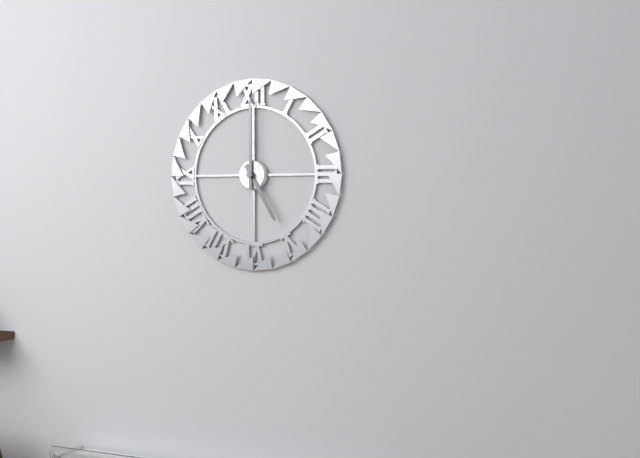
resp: 5,00
